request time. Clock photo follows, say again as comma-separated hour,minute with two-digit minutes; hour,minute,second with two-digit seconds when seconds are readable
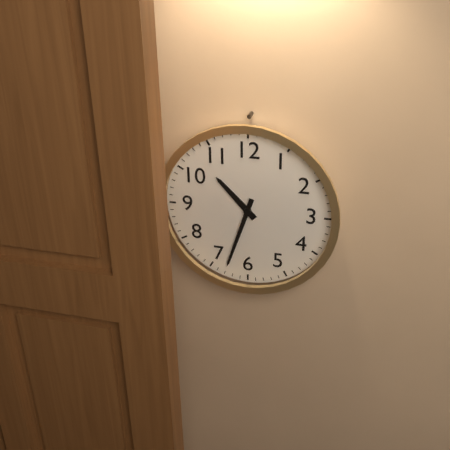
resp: 10,33
